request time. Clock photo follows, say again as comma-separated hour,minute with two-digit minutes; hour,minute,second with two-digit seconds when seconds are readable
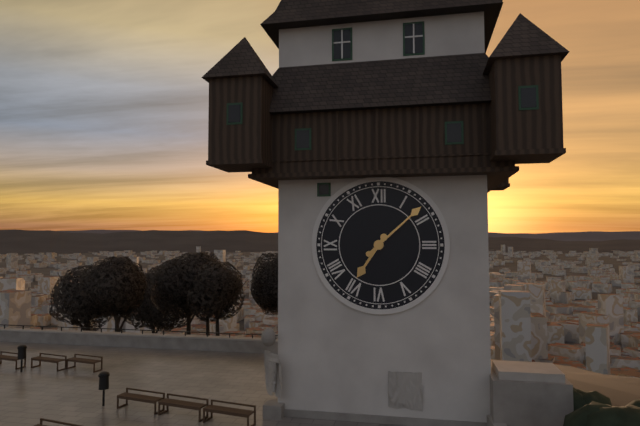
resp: 7,08
